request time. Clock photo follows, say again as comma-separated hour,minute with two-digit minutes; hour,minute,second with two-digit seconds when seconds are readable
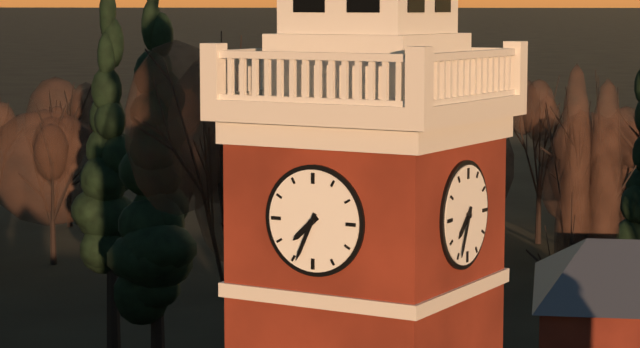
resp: 7,34
